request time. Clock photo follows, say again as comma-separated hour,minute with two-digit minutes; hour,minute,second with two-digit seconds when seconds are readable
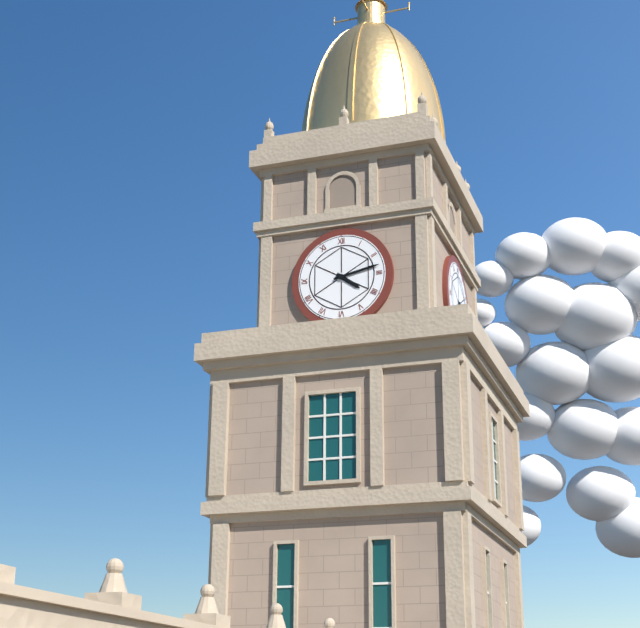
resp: 4,13
